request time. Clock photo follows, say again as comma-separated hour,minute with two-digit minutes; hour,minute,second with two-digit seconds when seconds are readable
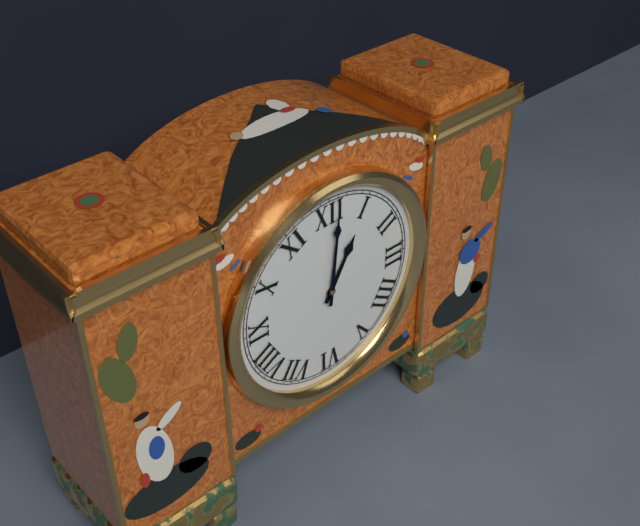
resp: 1,01
